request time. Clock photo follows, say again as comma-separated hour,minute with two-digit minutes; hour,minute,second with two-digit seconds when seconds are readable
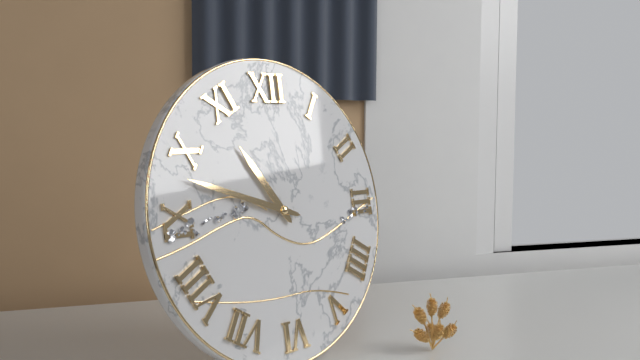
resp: 10,48
